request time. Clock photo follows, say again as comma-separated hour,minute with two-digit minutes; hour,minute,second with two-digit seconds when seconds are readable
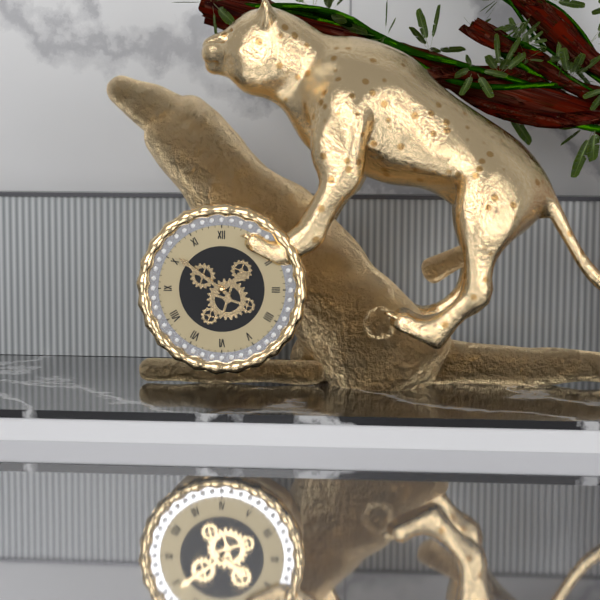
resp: 1,51
